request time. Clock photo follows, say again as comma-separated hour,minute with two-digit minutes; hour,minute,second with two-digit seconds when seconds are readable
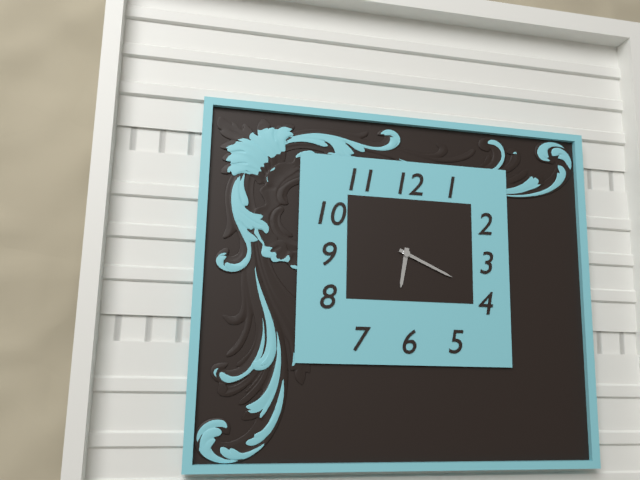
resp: 6,19
